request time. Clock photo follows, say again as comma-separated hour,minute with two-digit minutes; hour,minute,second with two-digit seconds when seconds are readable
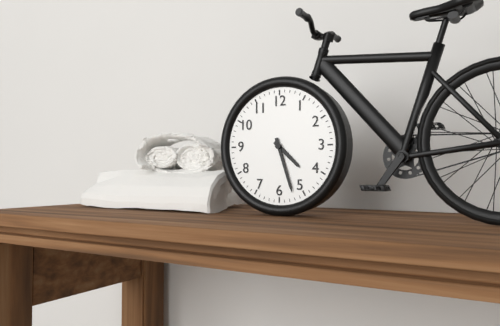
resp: 4,27
